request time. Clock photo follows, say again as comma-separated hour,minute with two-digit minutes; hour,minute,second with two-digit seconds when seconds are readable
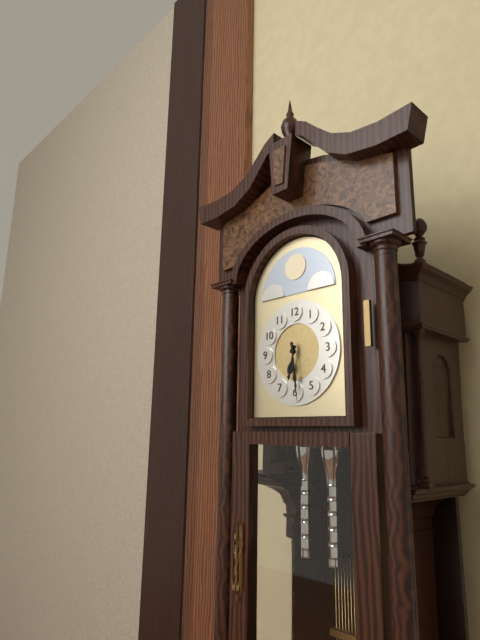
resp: 6,29
